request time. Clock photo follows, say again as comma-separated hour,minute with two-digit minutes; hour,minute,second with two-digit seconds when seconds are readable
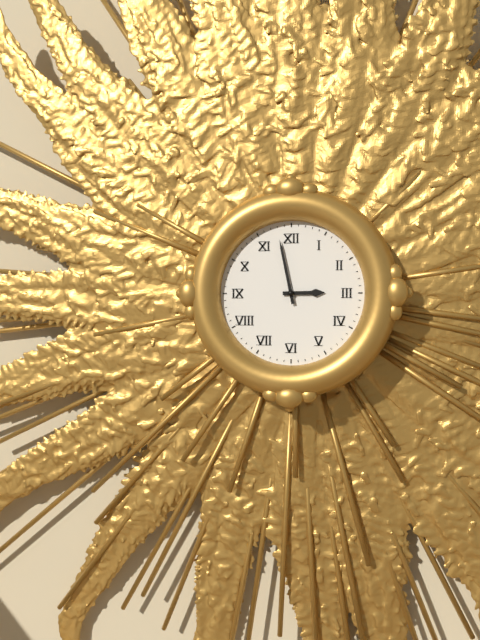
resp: 2,58
